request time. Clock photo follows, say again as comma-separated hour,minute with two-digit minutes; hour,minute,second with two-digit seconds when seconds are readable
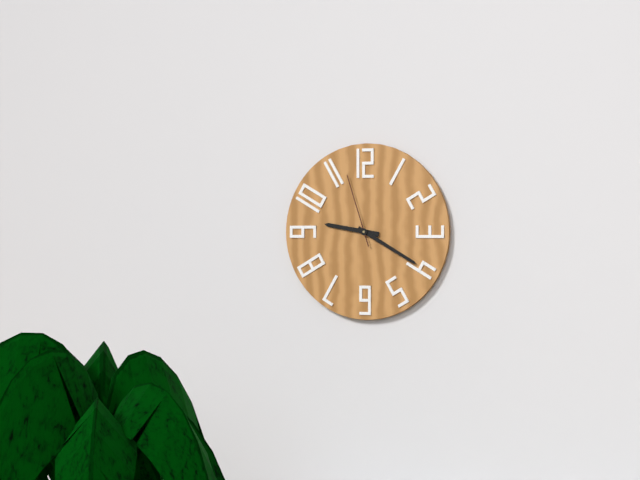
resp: 9,20,57
